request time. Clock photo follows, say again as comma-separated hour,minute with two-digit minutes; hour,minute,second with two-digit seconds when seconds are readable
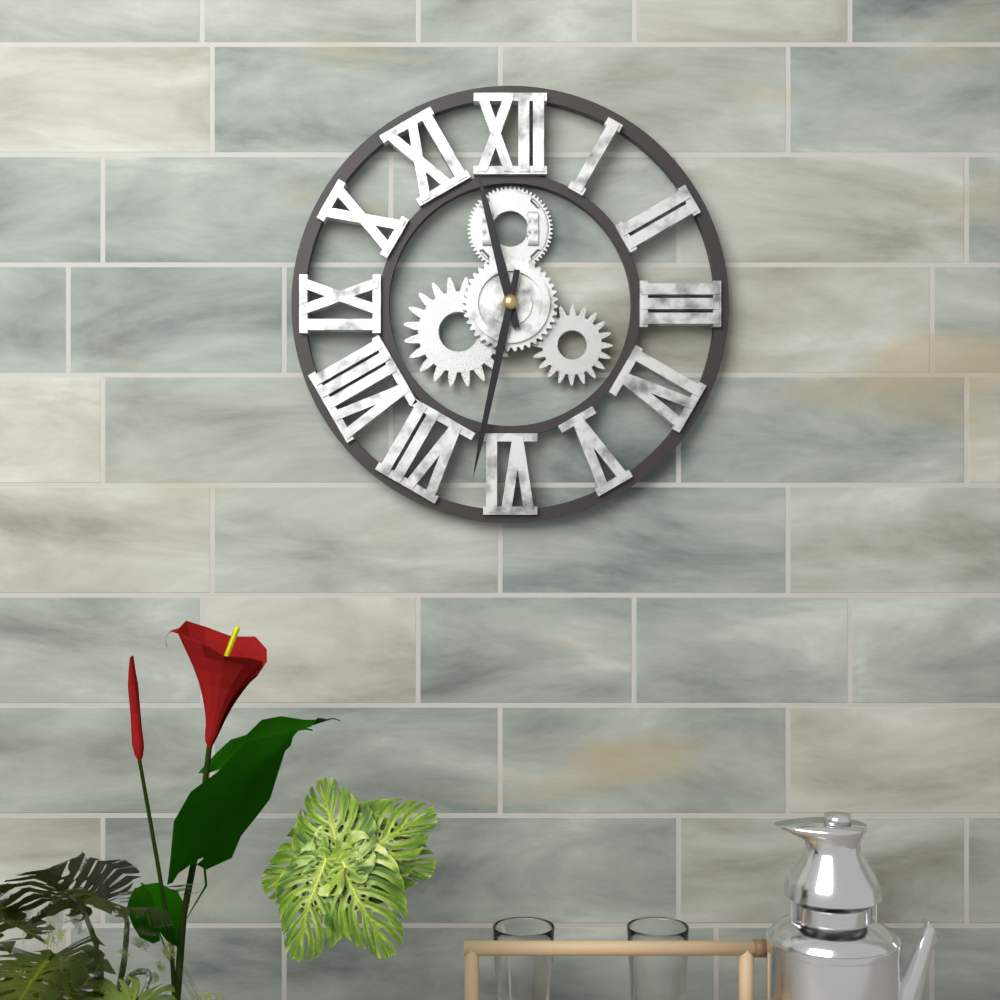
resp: 11,32
